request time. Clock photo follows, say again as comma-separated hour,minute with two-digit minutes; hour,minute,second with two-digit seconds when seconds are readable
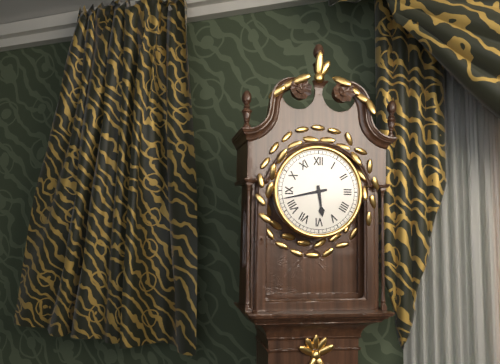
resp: 5,43
